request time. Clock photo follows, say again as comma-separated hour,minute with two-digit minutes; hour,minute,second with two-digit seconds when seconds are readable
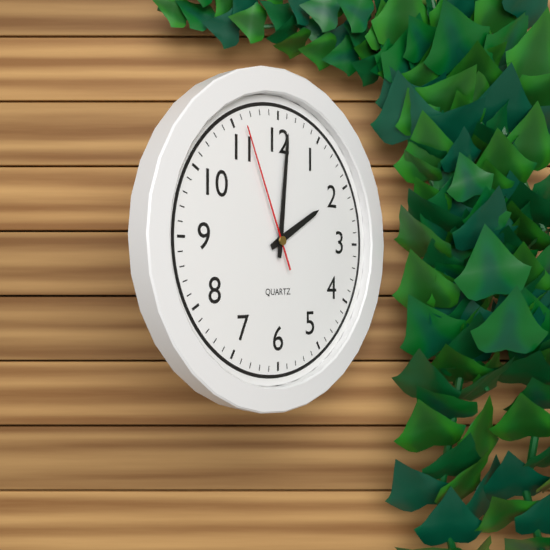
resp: 2,01,56
